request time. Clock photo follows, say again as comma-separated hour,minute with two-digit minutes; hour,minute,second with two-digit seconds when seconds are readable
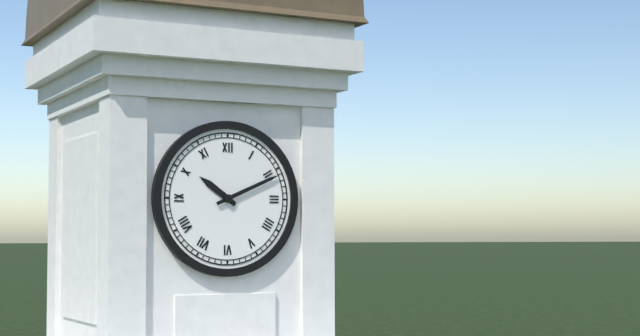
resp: 10,11
